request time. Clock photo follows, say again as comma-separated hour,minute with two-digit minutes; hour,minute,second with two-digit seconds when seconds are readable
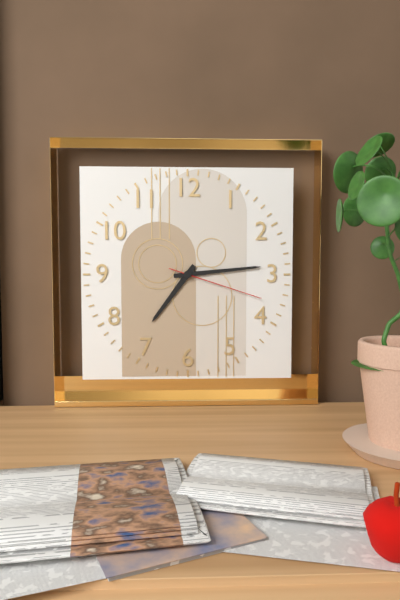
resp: 7,14,18
